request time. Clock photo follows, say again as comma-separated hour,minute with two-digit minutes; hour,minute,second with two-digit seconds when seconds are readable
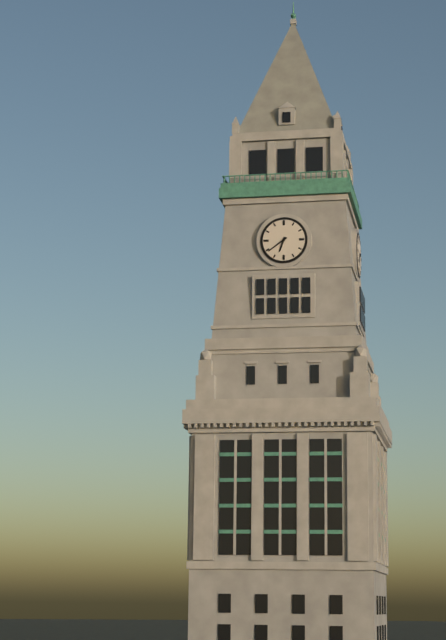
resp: 6,39
